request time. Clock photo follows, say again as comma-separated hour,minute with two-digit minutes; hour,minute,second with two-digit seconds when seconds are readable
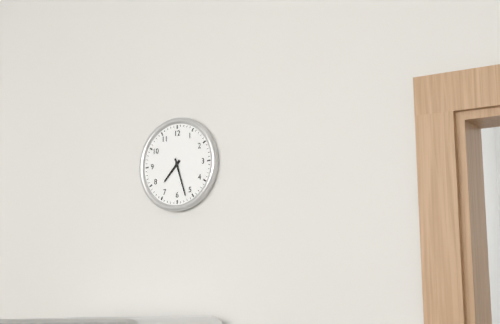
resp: 7,27
